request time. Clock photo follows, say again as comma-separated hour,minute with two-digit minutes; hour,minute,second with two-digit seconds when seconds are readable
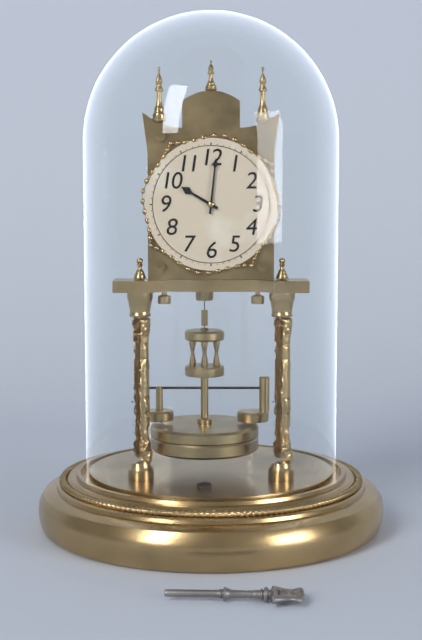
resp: 10,01
